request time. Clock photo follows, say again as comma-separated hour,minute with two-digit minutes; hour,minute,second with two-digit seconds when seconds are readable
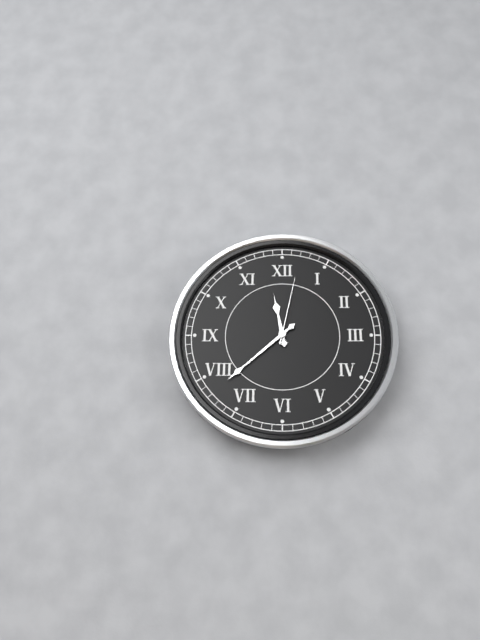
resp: 11,38,02
